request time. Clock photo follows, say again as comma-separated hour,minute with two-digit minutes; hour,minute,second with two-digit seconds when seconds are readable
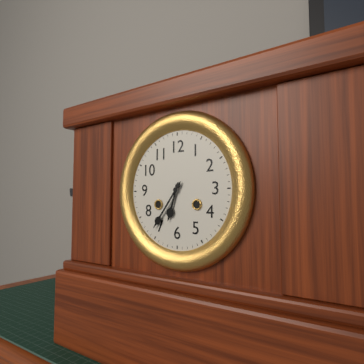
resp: 6,36
